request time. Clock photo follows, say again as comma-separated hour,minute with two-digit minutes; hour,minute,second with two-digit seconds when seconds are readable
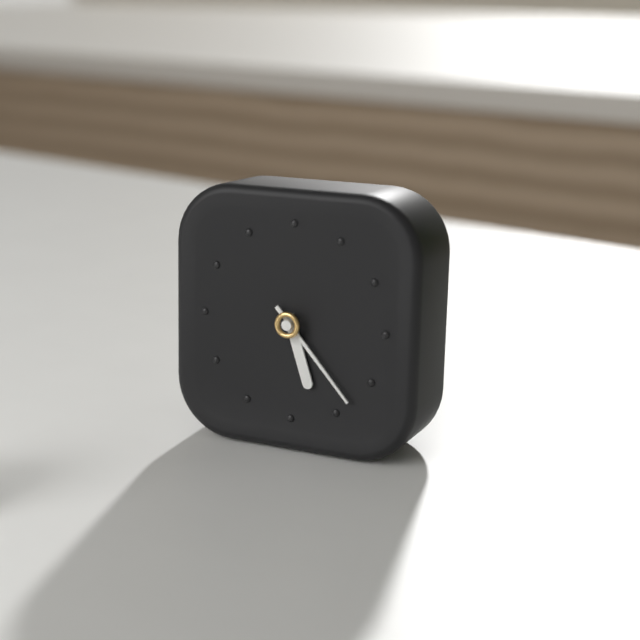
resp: 5,23
